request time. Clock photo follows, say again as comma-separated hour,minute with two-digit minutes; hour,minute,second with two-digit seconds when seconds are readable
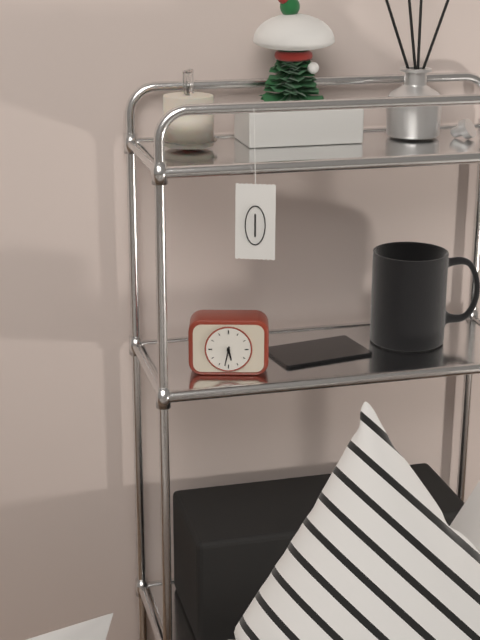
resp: 5,32
